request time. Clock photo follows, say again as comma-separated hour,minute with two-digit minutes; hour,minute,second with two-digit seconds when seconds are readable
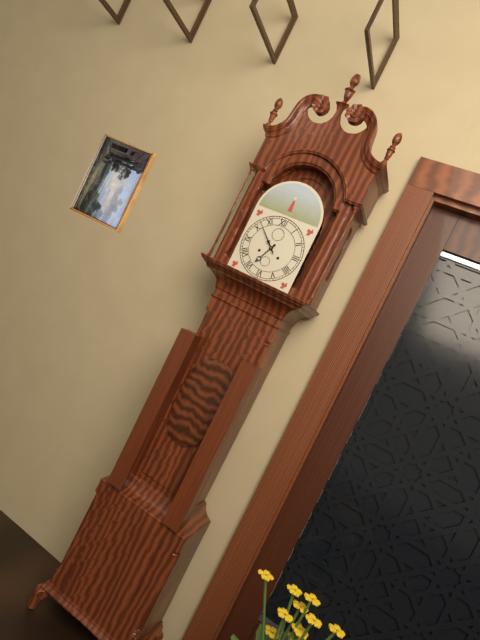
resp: 6,52
